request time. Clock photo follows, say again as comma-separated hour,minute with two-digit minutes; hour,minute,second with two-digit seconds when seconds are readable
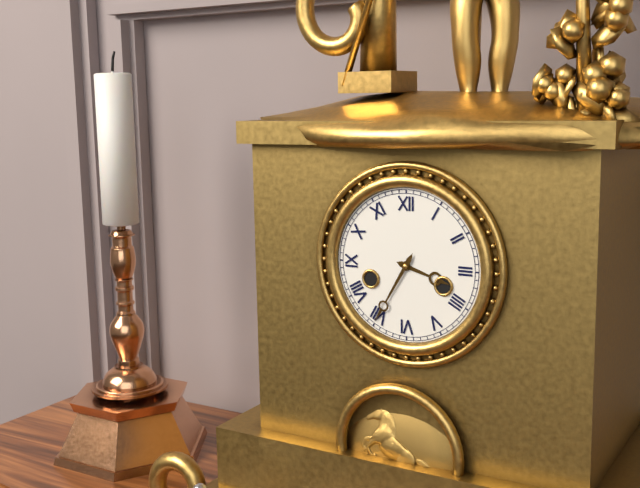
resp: 3,35
